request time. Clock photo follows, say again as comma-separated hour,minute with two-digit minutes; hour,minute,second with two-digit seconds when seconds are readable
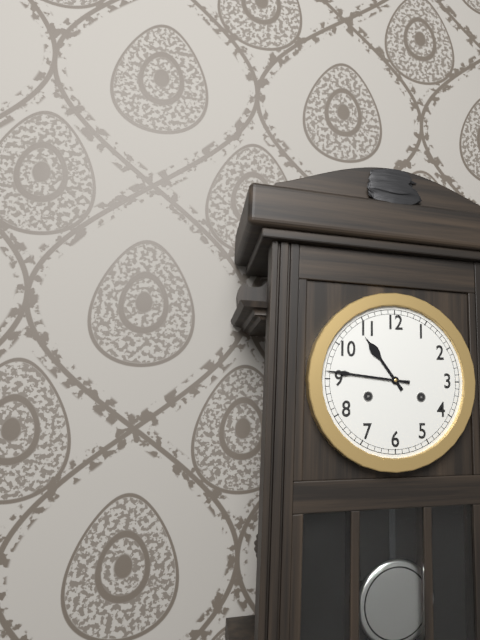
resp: 10,46
